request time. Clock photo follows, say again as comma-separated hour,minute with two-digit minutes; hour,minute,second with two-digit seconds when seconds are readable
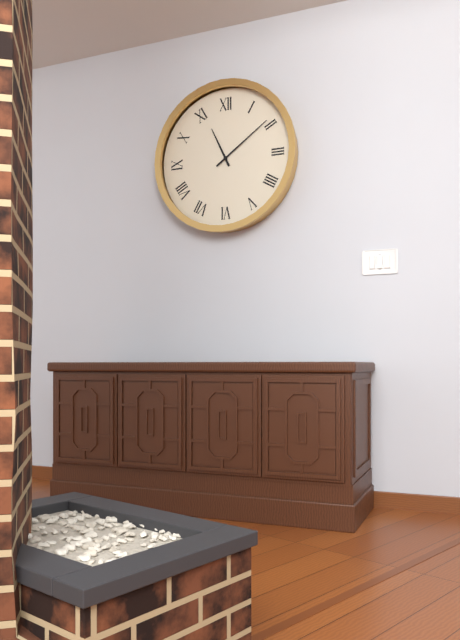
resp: 11,09
